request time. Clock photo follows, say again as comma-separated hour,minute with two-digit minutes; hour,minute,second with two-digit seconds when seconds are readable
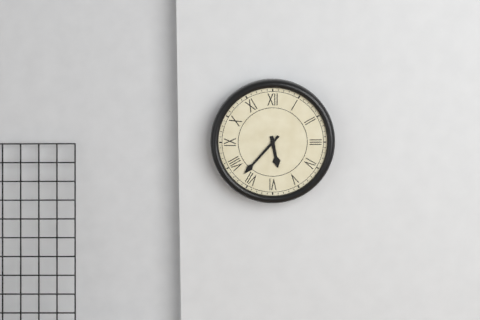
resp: 5,37
